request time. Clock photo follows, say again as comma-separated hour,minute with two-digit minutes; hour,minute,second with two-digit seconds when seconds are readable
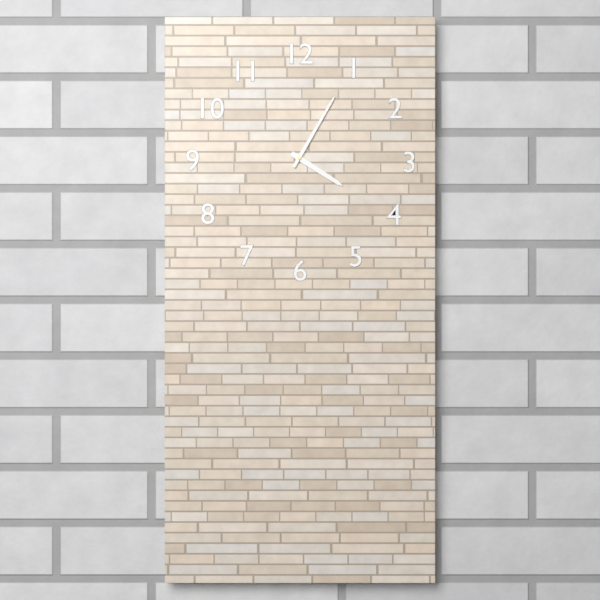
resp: 4,05
